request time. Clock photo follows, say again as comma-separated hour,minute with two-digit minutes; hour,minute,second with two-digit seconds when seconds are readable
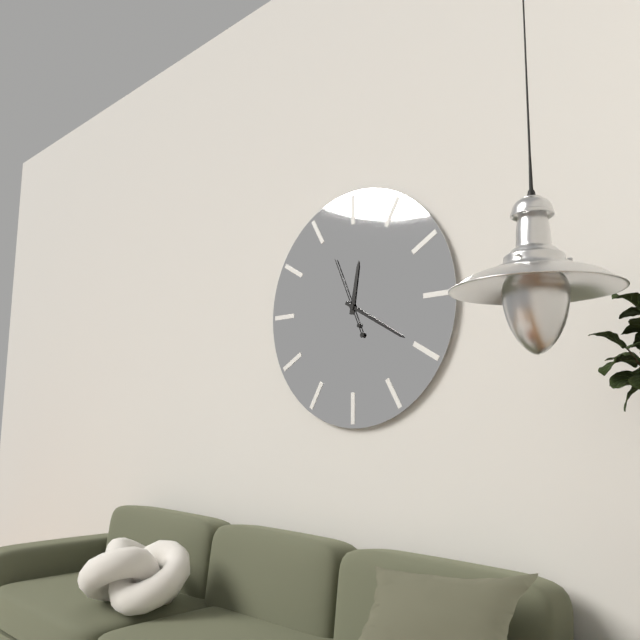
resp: 12,20,56
